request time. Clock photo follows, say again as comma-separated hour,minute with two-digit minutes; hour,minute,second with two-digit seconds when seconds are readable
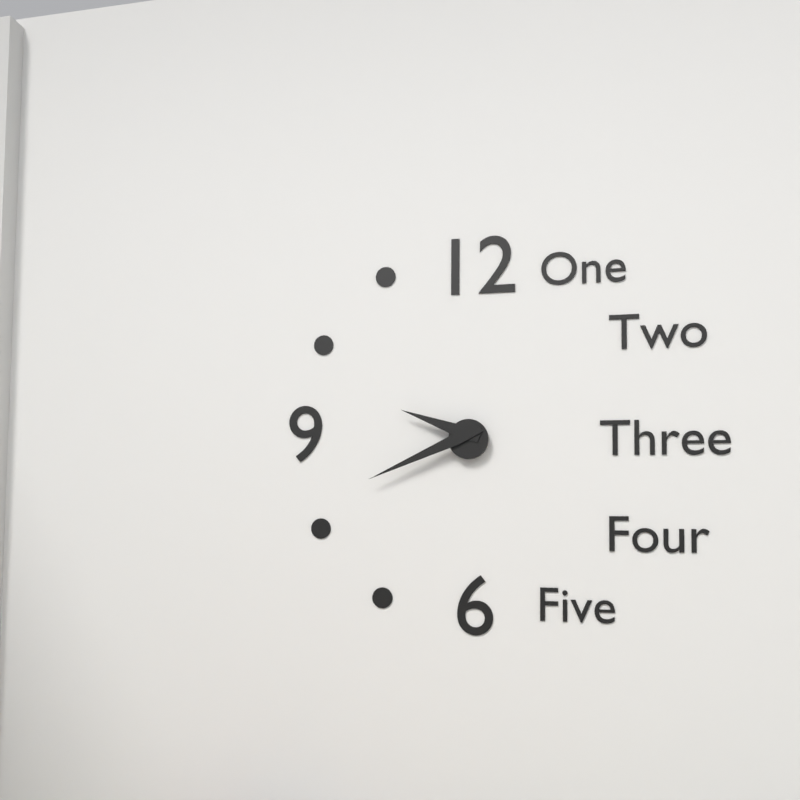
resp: 9,41
